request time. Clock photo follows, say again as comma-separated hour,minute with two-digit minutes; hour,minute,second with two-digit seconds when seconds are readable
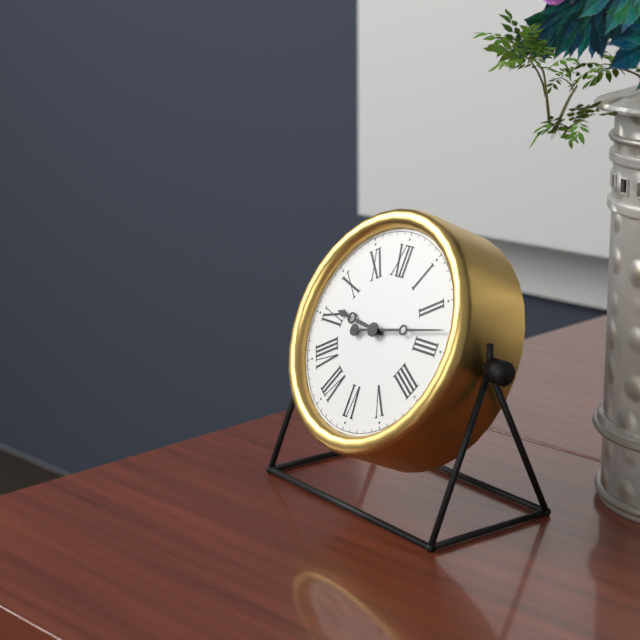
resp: 9,13
